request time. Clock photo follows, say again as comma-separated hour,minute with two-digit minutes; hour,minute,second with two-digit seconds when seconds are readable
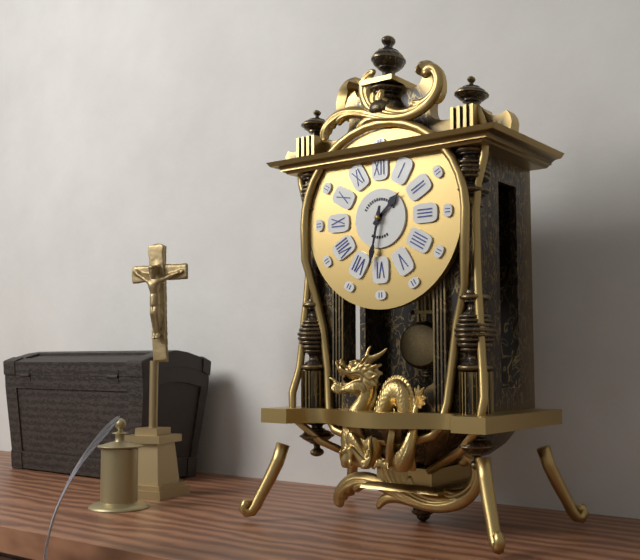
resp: 1,32
